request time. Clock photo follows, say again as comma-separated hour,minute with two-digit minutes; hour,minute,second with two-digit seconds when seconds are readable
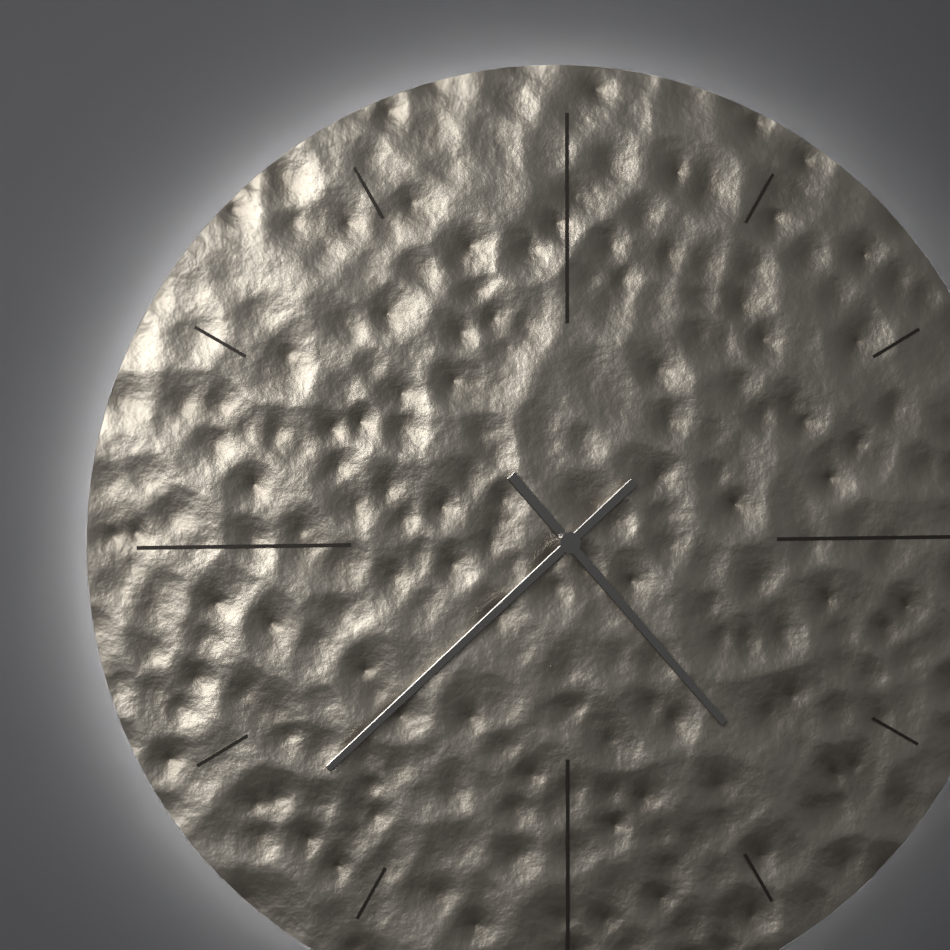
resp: 4,38
